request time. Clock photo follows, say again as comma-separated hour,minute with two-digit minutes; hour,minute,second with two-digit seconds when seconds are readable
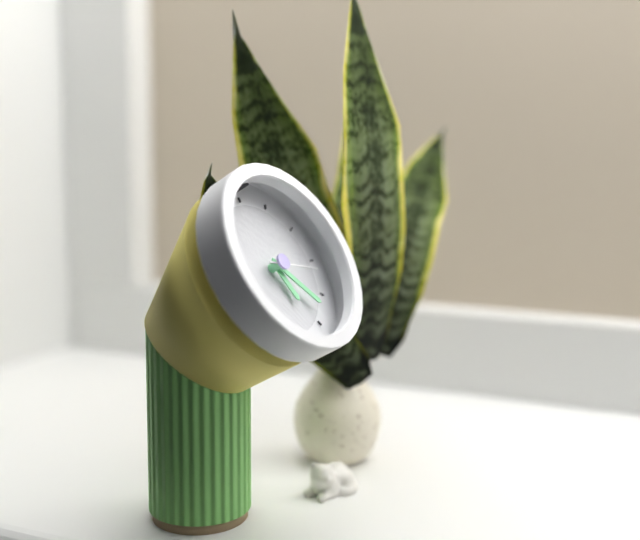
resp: 5,23,17
